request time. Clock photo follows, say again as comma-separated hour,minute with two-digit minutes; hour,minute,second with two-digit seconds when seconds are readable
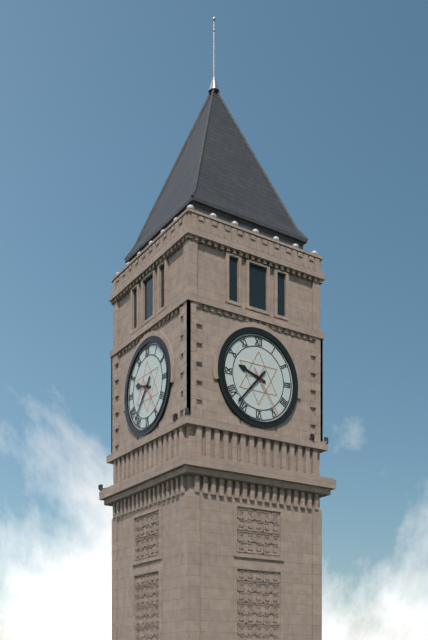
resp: 9,37,24
